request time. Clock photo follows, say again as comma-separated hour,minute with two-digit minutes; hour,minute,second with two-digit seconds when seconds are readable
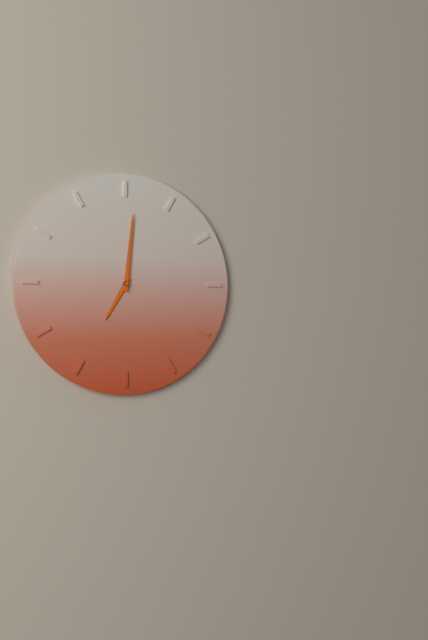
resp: 7,01
